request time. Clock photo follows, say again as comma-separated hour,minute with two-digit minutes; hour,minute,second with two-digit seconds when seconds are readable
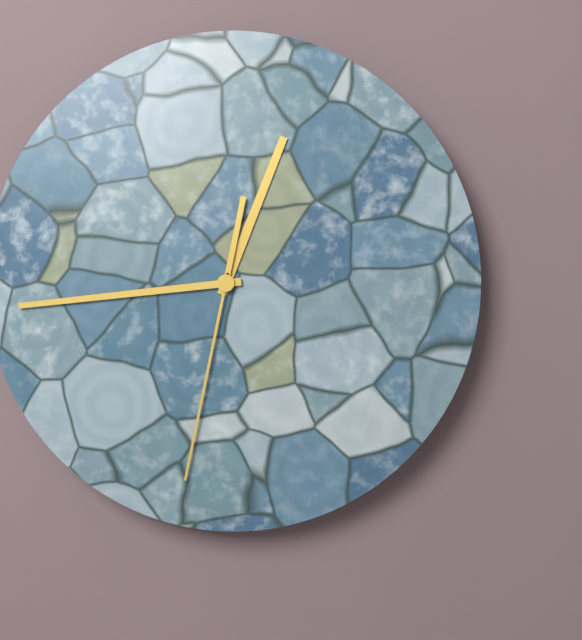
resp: 12,44,32
